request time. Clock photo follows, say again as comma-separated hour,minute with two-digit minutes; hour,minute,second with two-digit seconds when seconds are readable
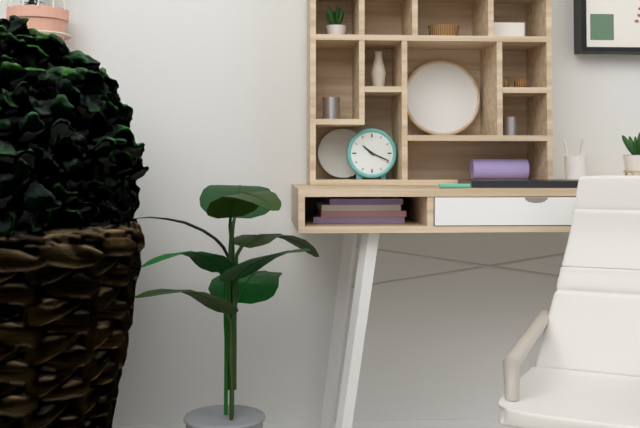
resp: 10,19
